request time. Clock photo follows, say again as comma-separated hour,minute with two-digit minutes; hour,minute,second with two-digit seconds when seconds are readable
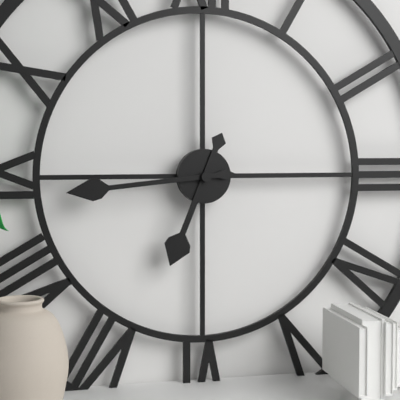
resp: 6,44
